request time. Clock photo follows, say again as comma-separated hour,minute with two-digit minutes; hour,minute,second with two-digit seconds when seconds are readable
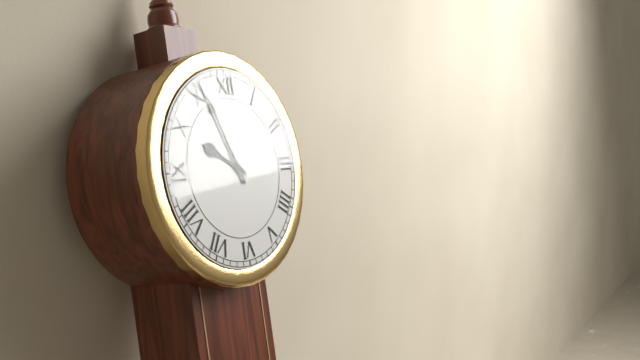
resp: 9,56
